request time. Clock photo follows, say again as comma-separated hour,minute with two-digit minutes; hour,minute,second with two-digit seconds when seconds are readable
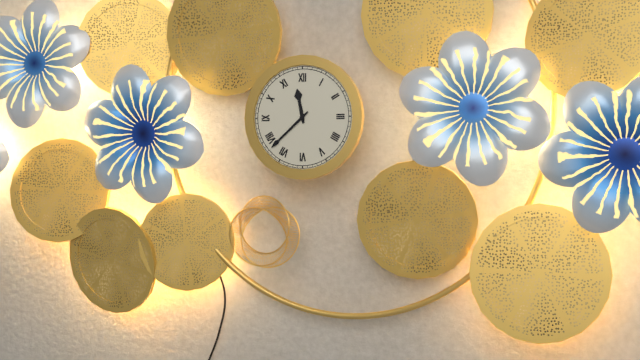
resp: 11,38
